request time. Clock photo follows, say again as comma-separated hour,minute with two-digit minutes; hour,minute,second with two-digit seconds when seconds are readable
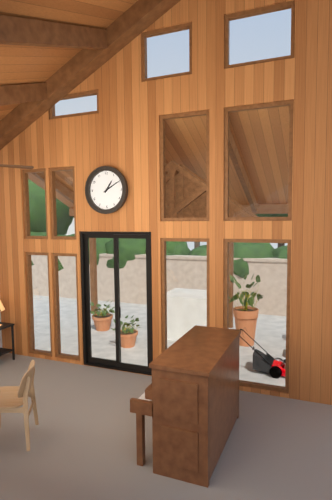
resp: 1,10
